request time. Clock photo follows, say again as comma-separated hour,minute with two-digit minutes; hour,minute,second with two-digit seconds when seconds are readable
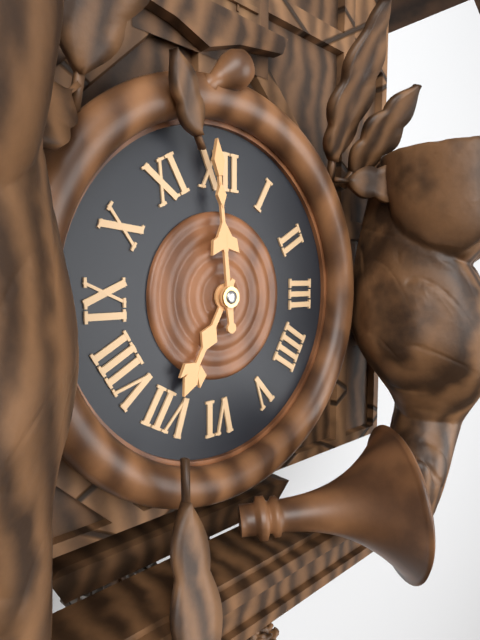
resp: 6,59
